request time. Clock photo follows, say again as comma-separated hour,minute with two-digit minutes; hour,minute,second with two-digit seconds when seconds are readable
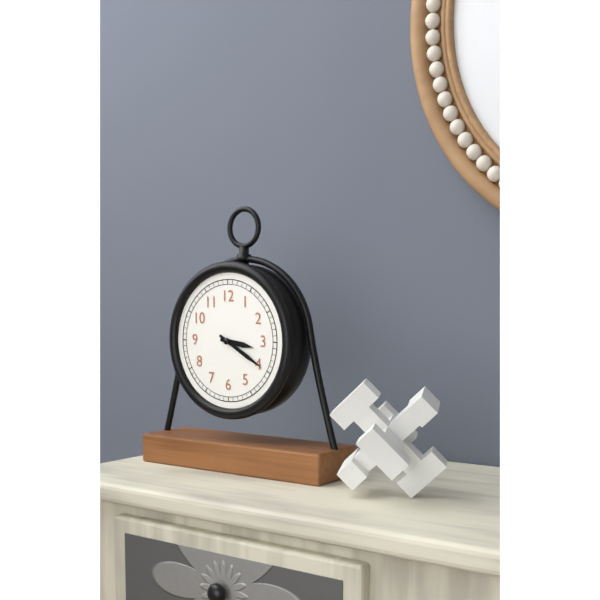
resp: 3,20
